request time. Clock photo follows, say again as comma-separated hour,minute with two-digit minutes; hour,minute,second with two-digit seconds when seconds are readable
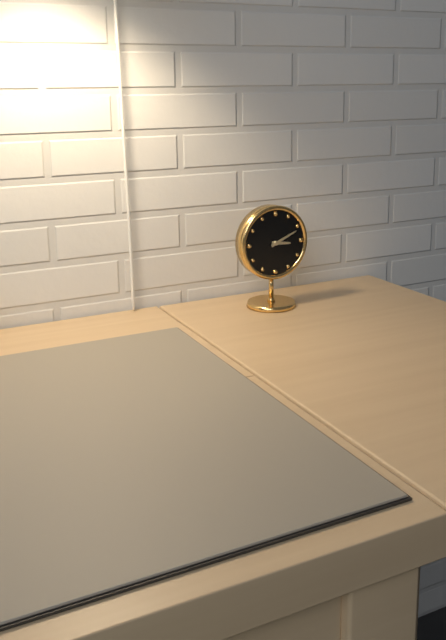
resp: 3,11
